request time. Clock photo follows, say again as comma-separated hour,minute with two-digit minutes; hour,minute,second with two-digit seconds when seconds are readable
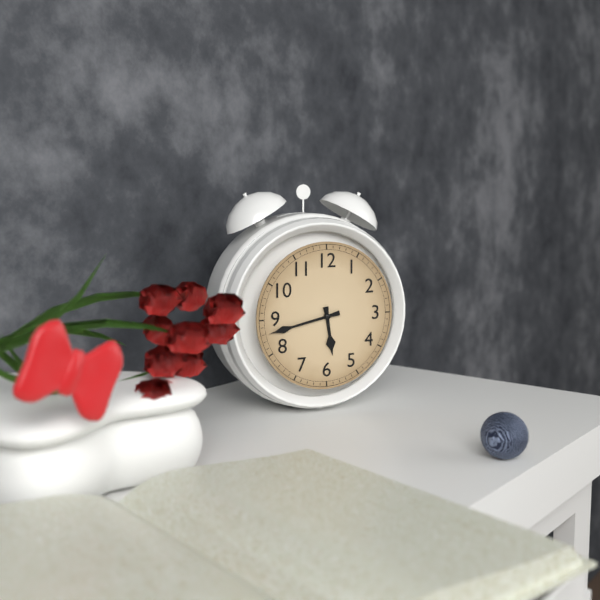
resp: 5,43
